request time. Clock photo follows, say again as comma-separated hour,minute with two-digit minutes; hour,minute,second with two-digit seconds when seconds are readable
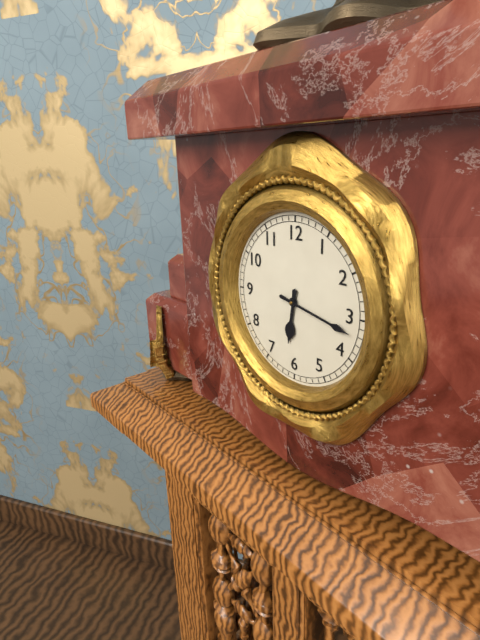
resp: 6,17
